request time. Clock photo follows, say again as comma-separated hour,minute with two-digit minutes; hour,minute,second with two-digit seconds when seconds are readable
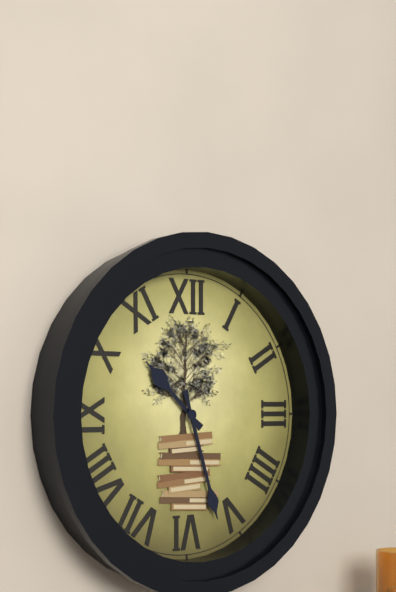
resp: 10,27
